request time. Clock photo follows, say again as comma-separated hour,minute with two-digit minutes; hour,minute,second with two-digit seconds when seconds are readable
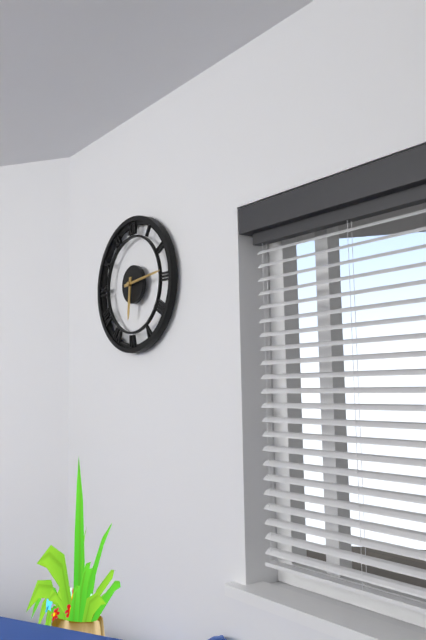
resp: 6,14
